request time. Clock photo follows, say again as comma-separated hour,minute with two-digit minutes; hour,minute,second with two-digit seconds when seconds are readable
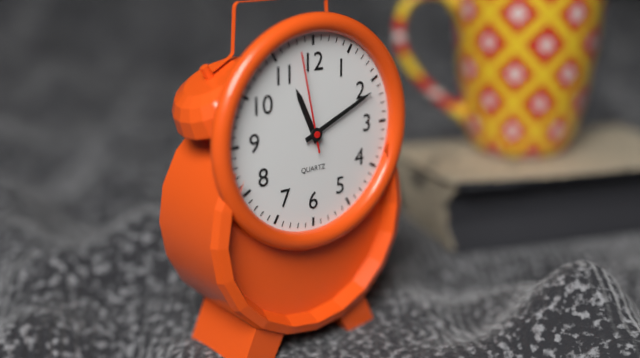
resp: 11,11,58
